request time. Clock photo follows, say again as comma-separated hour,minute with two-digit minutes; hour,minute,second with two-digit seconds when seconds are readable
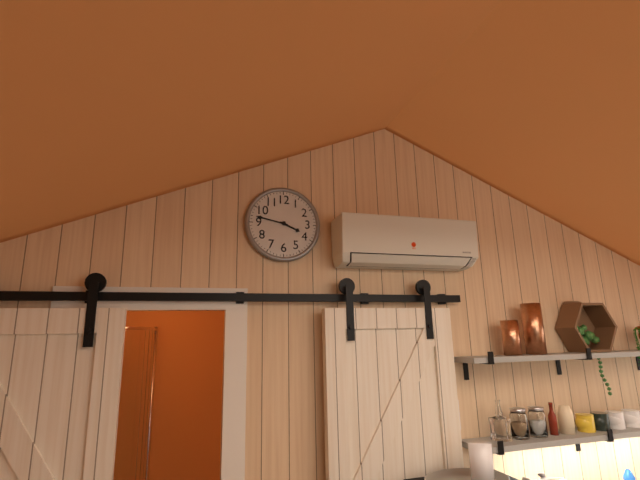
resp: 3,47
